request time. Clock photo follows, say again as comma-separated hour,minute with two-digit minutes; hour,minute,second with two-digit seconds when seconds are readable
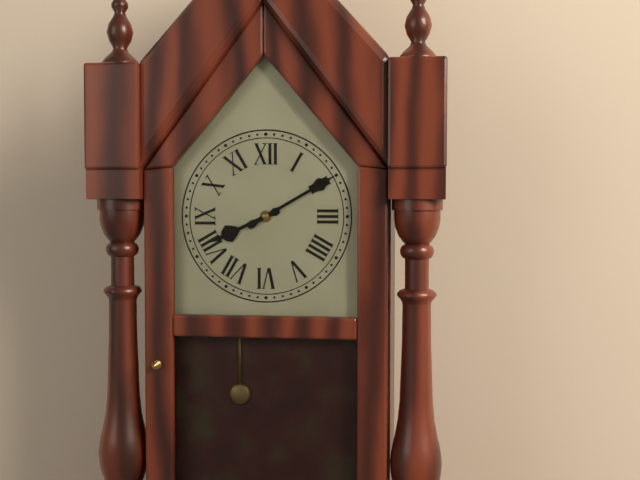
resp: 8,10
